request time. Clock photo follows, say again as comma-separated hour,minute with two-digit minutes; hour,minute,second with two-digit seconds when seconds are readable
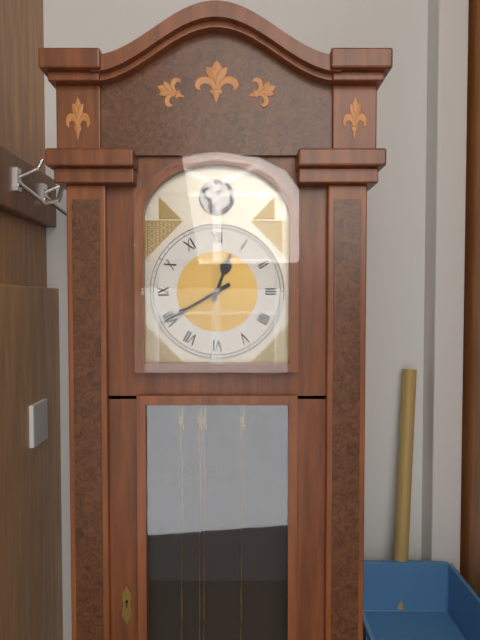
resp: 12,40
